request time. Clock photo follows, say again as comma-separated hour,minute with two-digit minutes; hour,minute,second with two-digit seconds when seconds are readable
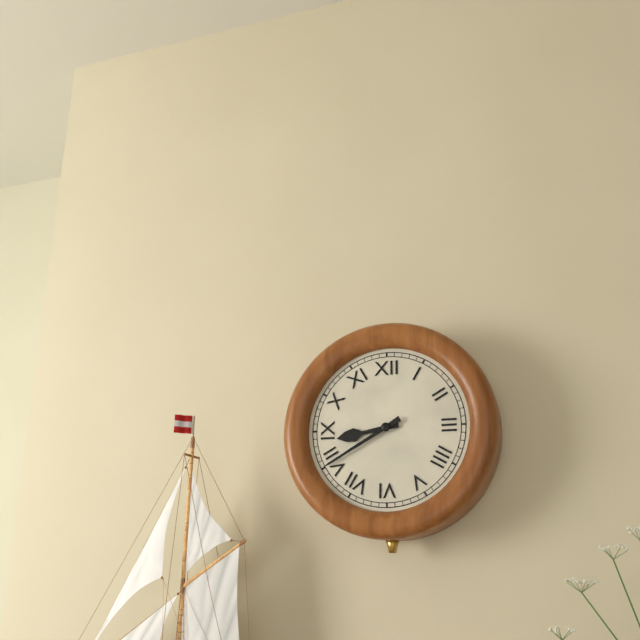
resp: 8,40
